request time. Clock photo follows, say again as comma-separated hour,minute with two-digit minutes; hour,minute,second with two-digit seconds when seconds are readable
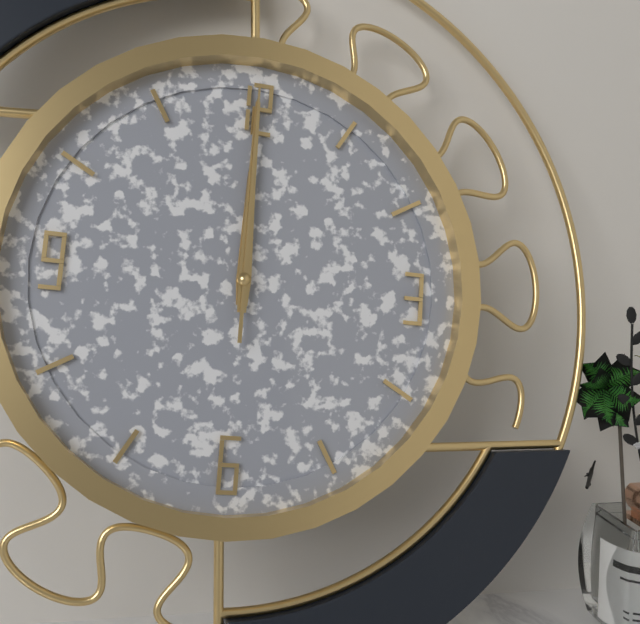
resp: 12,00,00
